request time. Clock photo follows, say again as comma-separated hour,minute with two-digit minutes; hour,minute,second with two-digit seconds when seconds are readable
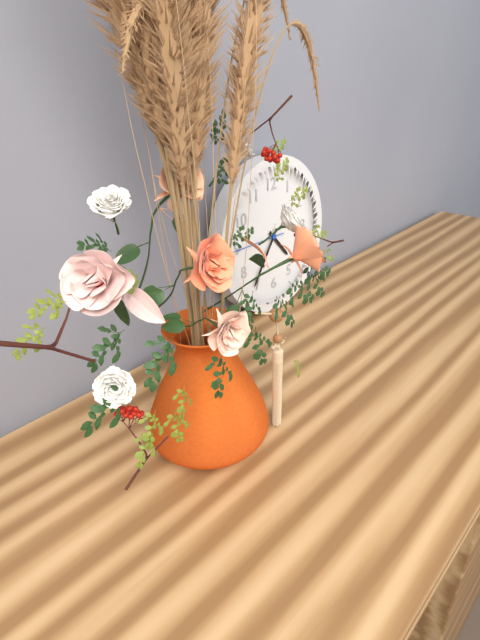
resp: 4,36,45
